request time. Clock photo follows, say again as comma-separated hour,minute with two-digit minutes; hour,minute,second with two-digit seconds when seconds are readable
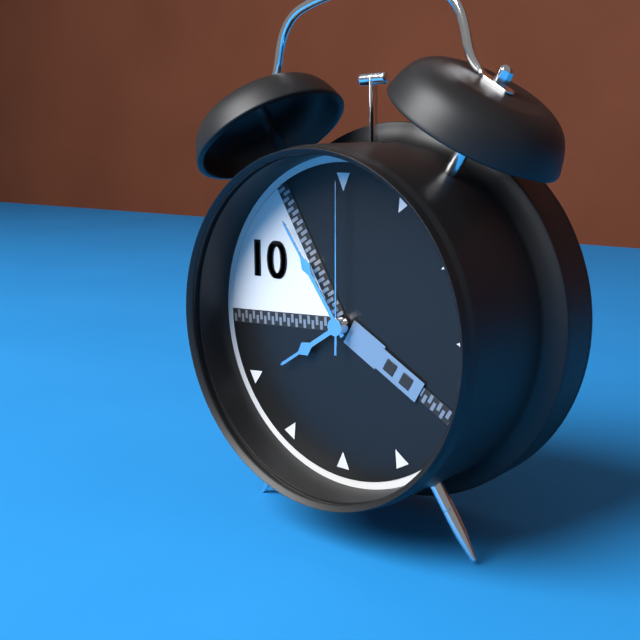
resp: 7,54,00
